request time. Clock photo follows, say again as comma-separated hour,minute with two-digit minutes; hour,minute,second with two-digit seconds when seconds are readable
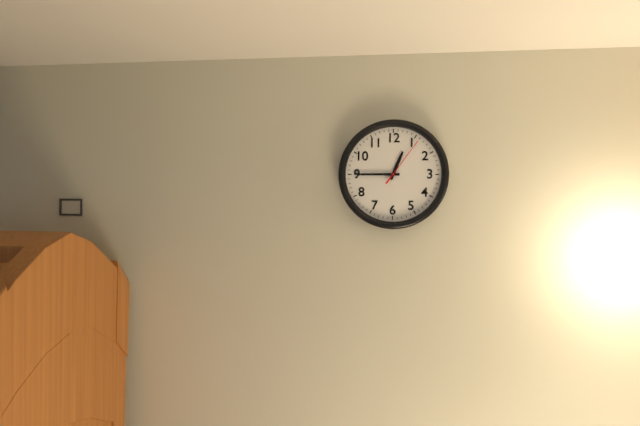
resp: 12,45,06
